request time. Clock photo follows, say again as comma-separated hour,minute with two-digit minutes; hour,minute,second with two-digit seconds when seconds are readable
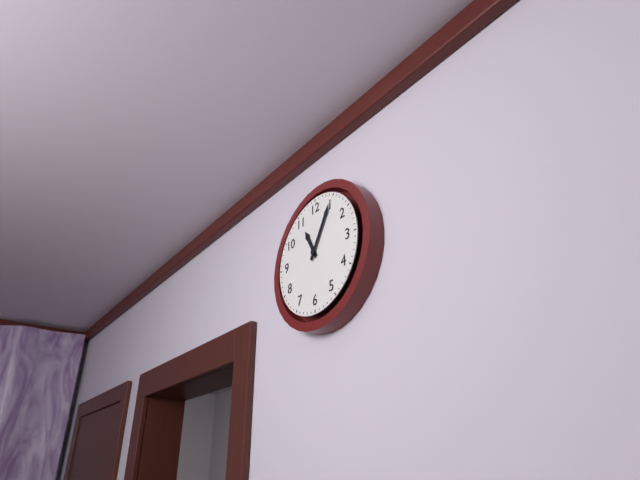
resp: 11,05
